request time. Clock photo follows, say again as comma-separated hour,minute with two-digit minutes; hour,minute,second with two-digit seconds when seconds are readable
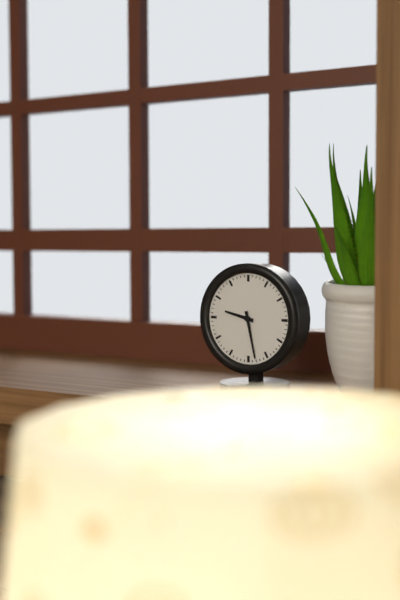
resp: 9,28
